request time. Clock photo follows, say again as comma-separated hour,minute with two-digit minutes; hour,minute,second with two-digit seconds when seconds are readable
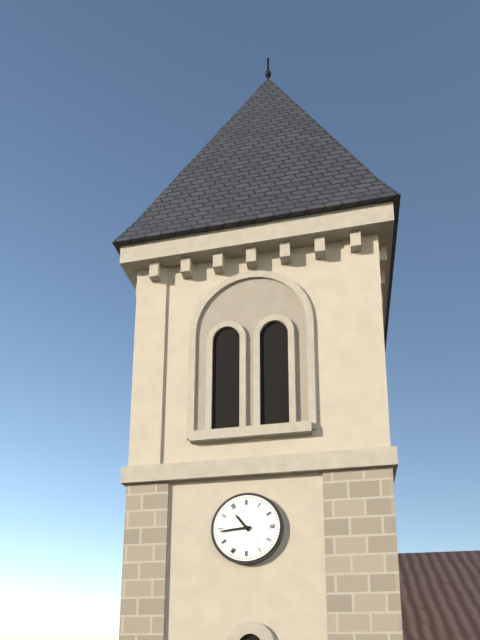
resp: 10,44
